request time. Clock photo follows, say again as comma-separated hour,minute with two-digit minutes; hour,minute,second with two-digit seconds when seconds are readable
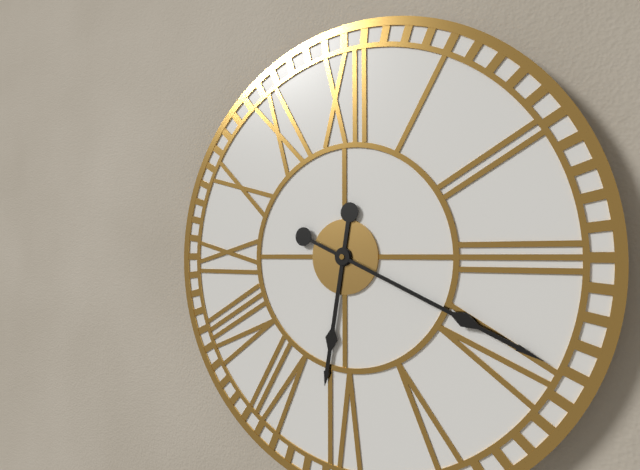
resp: 6,19
